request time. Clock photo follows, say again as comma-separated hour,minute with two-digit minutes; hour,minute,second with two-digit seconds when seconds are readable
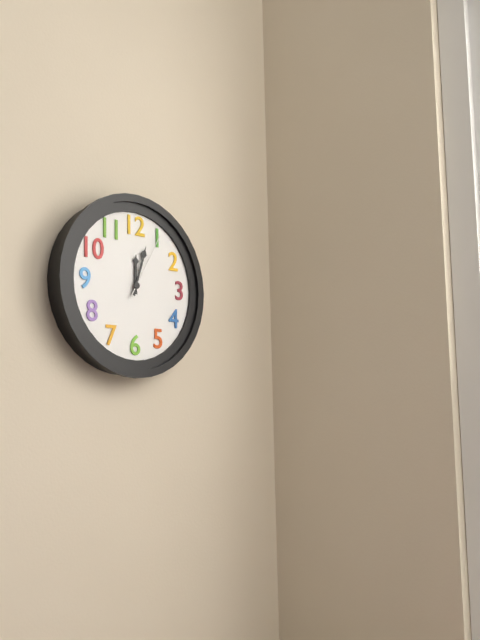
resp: 12,03,05
